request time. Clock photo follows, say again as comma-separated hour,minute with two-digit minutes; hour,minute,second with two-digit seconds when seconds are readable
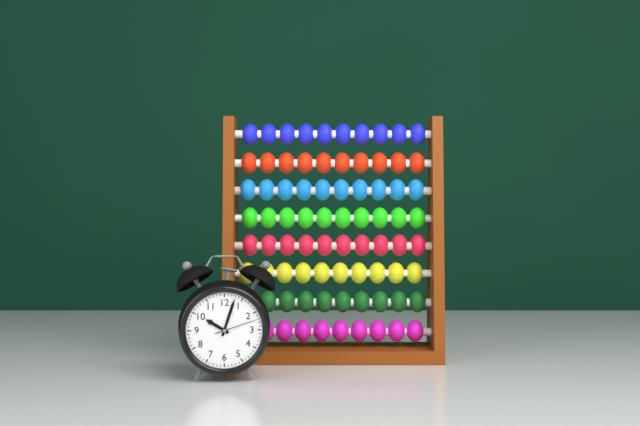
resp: 10,03
